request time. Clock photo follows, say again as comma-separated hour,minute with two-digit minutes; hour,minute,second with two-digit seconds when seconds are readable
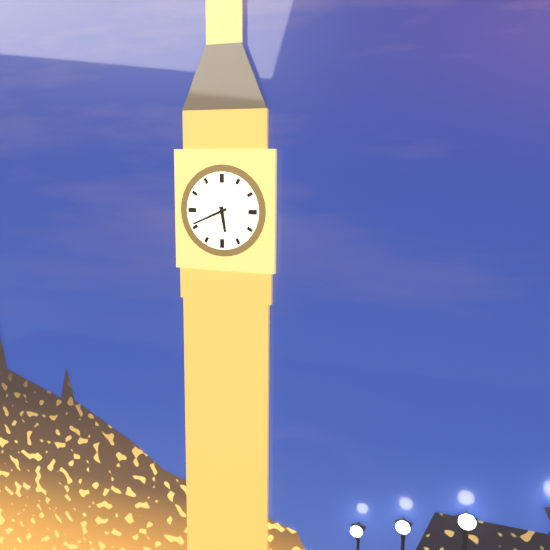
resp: 5,41
